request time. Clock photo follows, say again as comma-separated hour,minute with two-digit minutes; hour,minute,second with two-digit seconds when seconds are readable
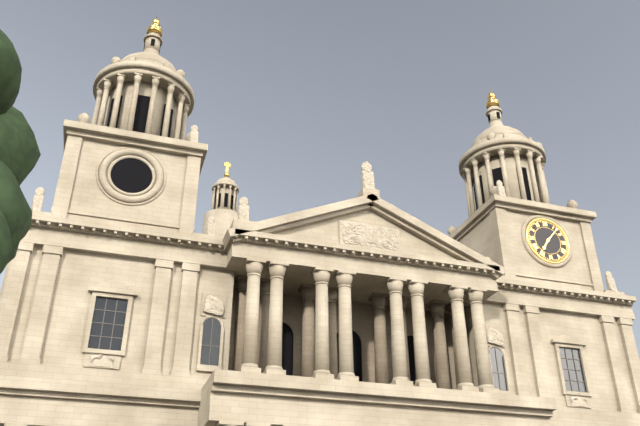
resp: 7,07
